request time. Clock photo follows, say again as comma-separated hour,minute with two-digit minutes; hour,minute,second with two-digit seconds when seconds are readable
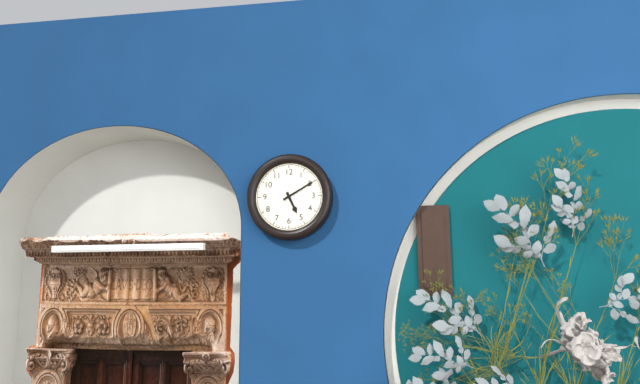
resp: 5,10
